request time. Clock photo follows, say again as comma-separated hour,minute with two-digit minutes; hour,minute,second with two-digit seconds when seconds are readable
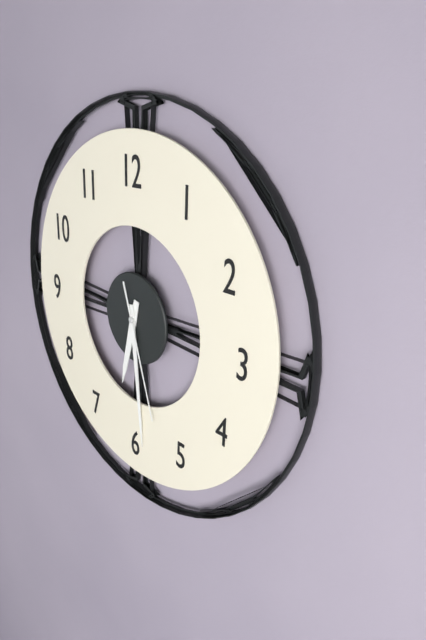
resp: 6,29,27
